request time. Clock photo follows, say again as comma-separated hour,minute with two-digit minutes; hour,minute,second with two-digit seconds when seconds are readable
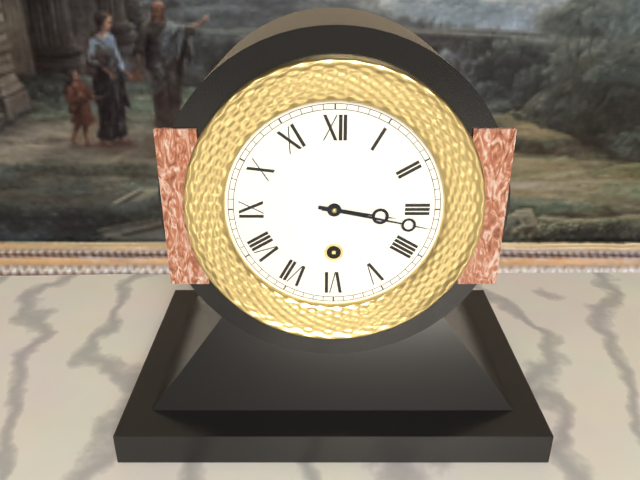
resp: 3,17
